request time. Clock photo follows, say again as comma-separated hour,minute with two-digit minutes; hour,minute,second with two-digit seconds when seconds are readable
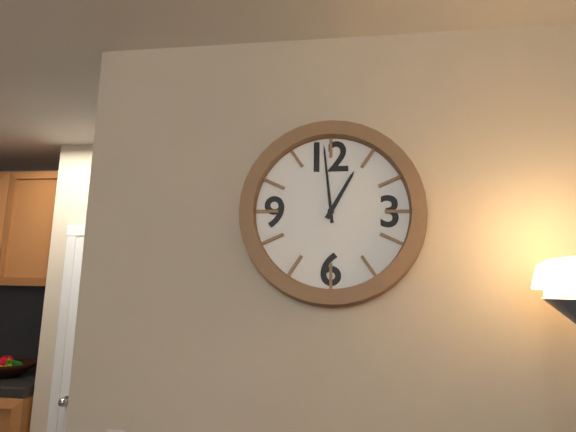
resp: 12,59
